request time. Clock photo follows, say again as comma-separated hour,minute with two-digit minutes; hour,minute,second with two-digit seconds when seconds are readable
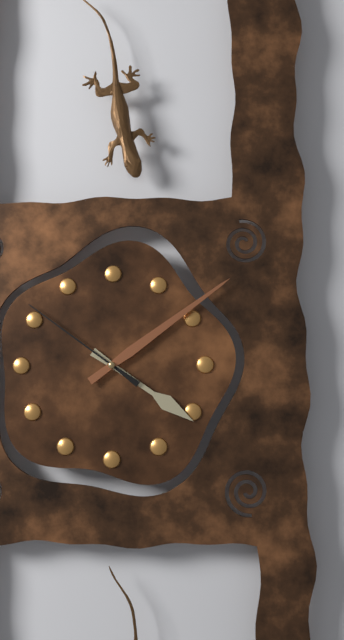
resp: 4,09,51
